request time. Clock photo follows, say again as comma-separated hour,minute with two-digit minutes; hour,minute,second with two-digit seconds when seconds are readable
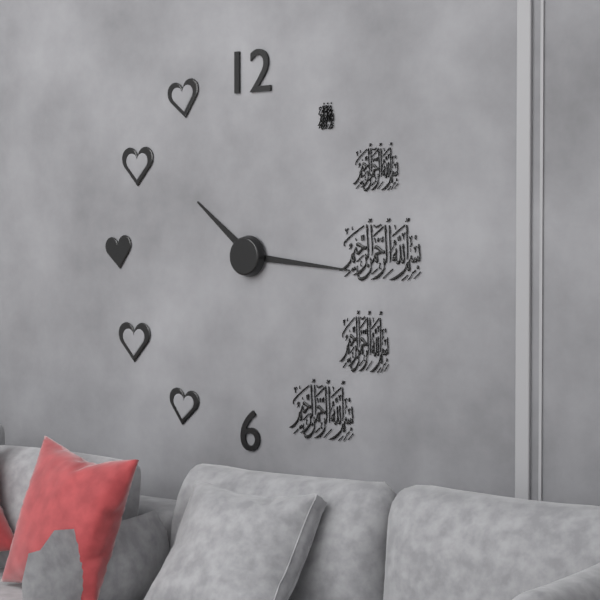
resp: 10,16
